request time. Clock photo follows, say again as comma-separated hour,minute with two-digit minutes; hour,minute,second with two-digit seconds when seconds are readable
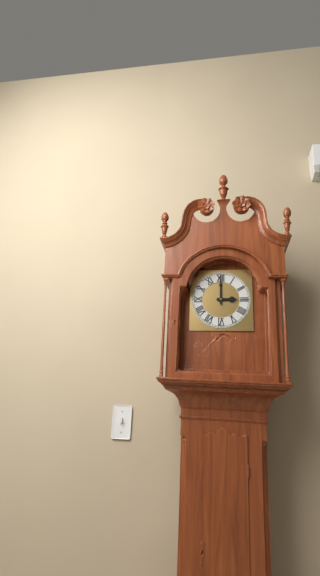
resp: 3,00
